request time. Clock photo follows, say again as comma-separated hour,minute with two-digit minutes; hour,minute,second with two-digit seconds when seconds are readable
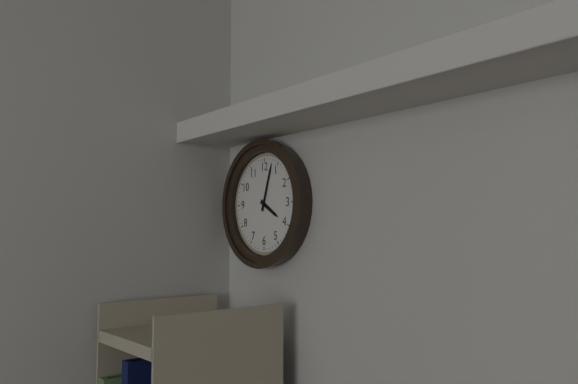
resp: 4,03
